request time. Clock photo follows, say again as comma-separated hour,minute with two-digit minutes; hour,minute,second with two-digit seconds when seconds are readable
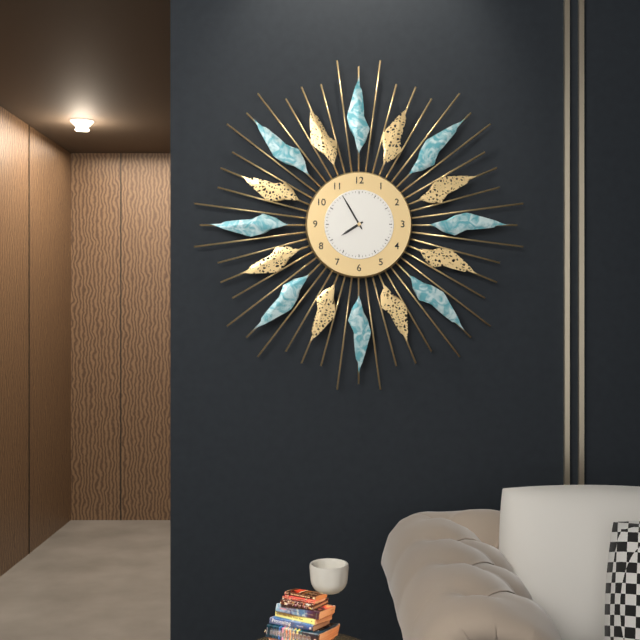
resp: 7,55
